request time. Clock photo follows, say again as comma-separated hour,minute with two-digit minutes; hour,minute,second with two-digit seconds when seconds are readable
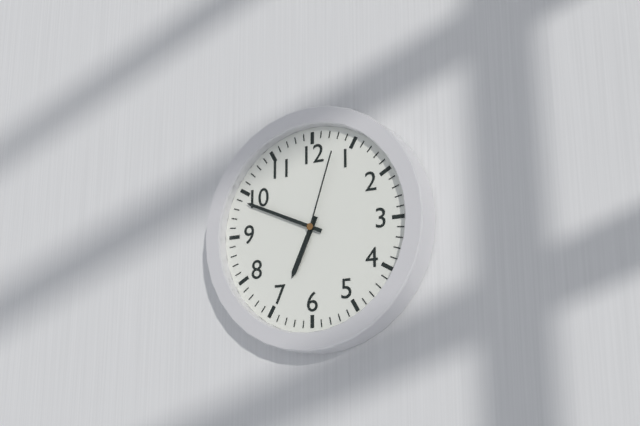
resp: 6,49,03
